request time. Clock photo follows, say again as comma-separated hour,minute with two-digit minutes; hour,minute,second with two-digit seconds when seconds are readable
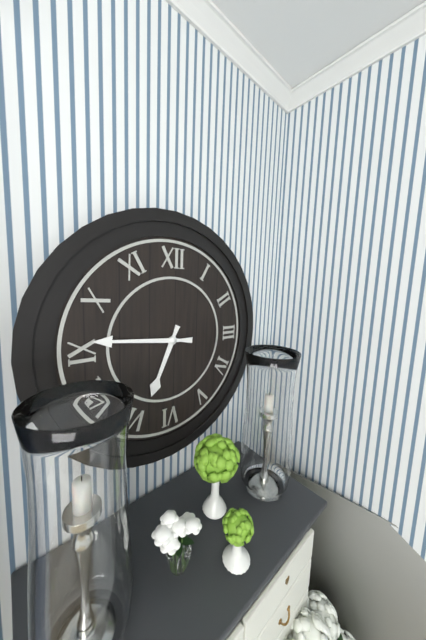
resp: 6,46
